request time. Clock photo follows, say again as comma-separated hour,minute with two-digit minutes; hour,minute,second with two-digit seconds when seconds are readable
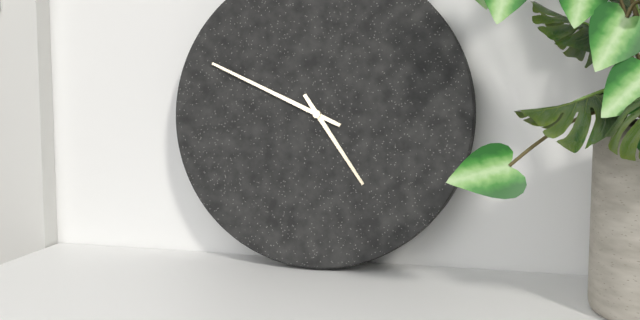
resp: 4,49
